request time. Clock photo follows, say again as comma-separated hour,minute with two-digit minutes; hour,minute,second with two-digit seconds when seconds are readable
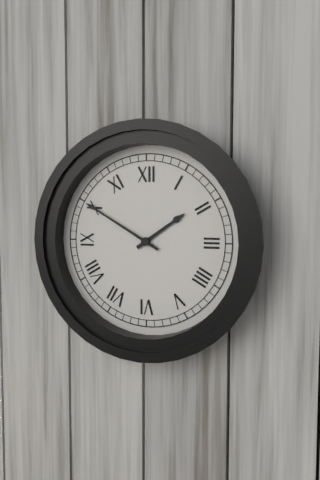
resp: 1,50
